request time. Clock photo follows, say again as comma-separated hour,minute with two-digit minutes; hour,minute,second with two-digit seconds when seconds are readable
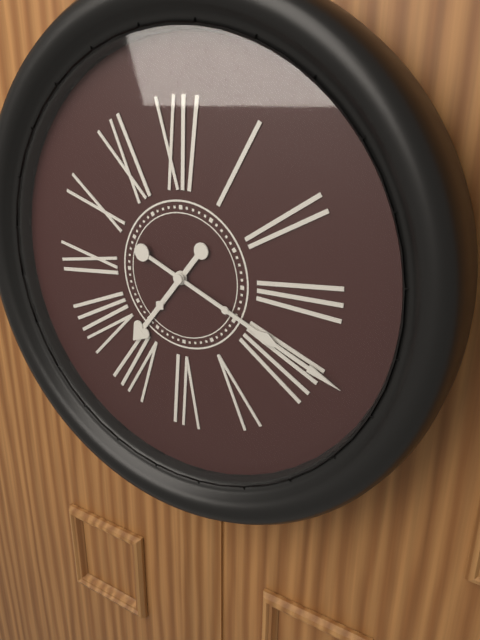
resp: 7,19
